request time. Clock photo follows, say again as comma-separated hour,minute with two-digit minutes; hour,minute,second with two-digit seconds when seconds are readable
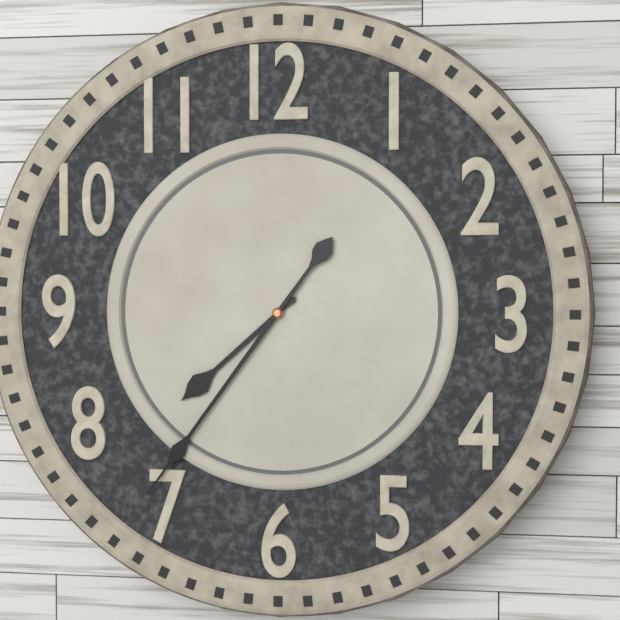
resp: 7,36
